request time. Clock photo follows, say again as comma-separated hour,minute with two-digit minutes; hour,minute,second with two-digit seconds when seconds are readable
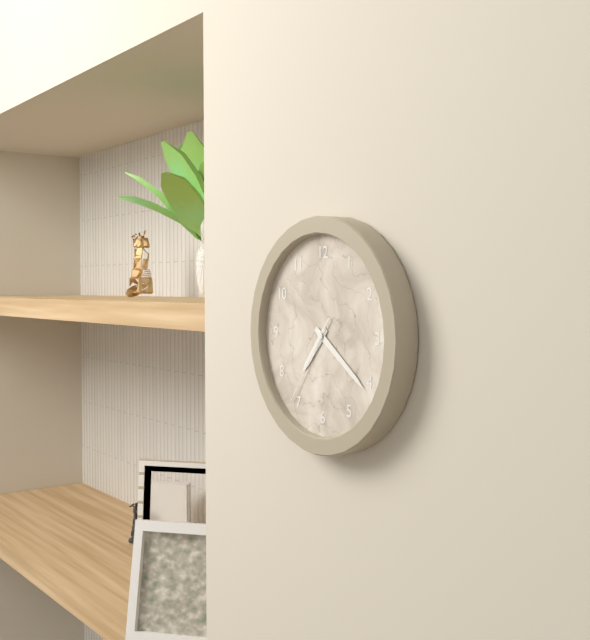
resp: 7,21,36
